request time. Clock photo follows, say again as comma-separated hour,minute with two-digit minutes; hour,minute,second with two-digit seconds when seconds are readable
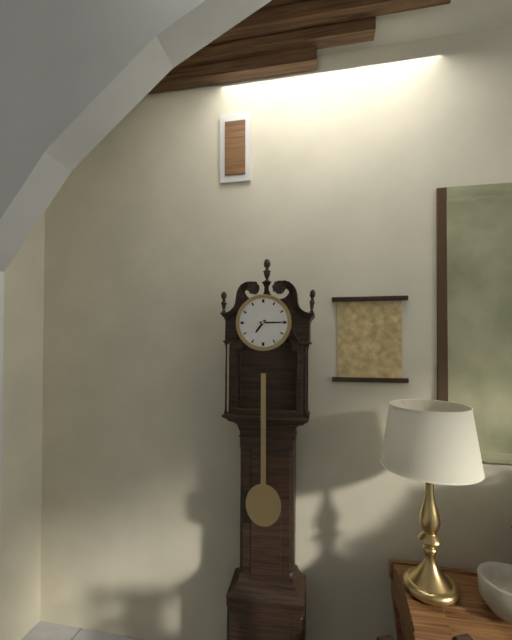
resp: 7,15
